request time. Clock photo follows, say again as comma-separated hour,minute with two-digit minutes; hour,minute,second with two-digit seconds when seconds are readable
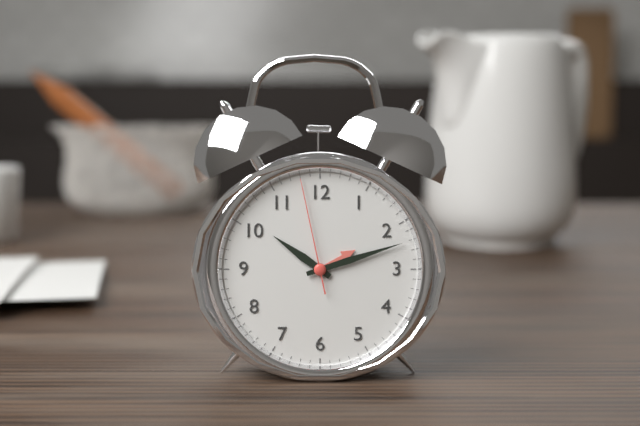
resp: 10,12,58
